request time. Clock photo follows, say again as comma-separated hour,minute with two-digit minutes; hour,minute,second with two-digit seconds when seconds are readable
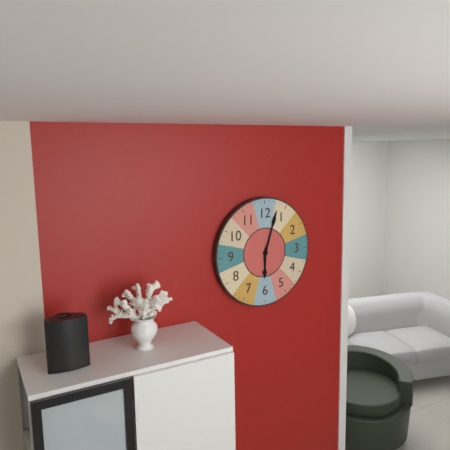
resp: 6,03
